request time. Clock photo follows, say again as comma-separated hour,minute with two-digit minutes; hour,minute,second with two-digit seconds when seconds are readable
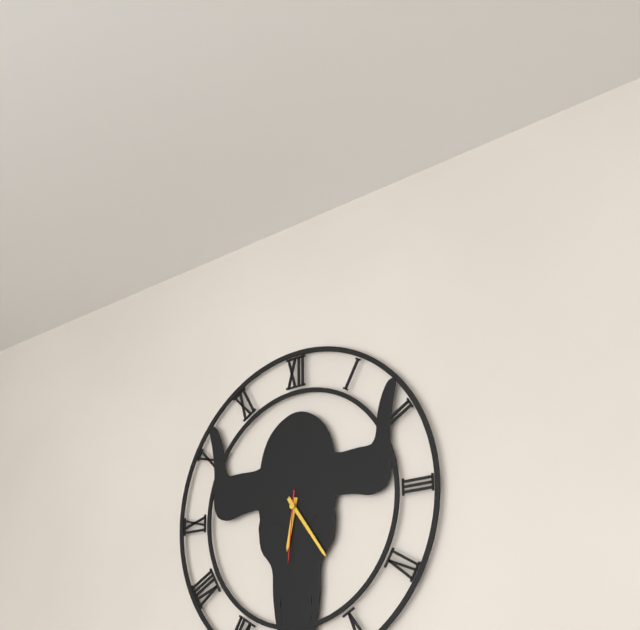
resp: 6,24,31
